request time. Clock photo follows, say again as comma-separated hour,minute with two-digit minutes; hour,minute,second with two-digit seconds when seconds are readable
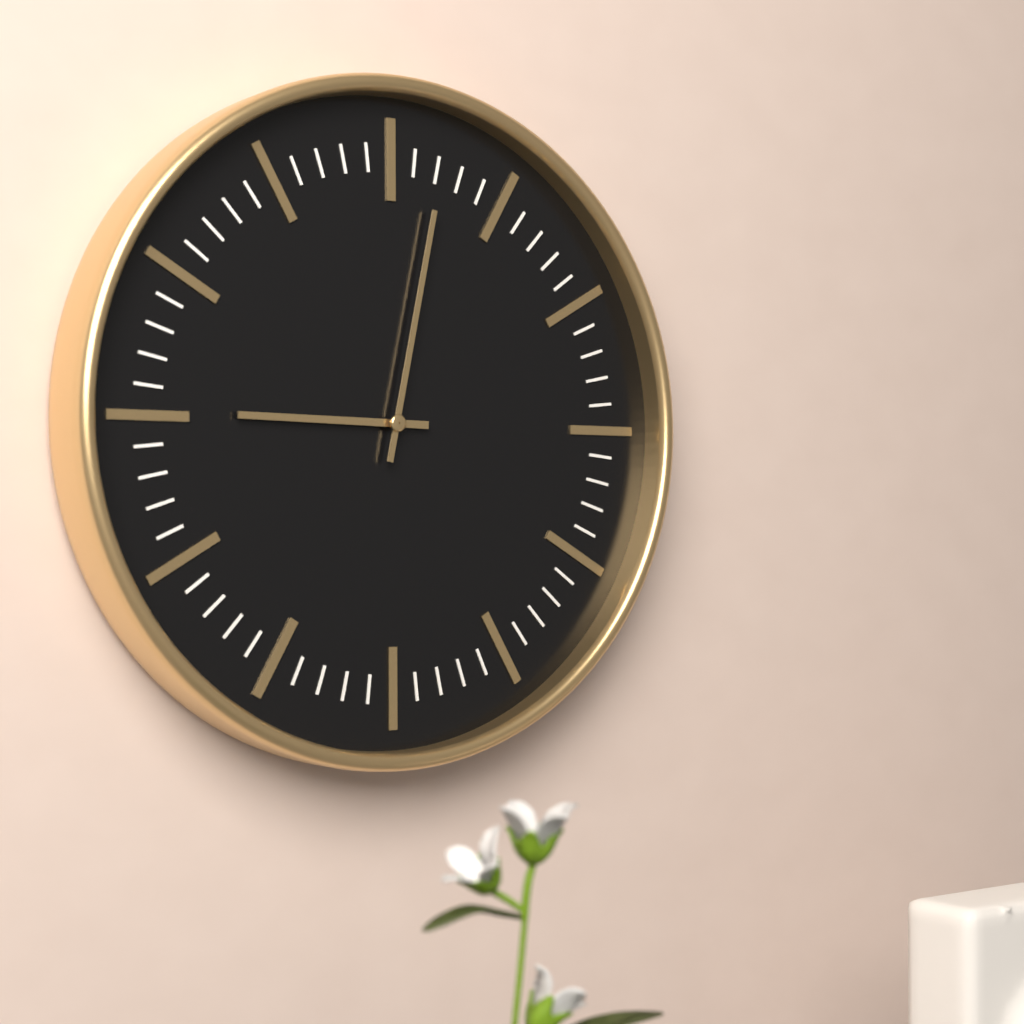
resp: 9,02
